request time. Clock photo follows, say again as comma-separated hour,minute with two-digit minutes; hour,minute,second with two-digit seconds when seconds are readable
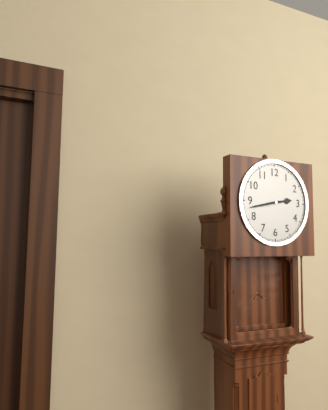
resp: 2,43
